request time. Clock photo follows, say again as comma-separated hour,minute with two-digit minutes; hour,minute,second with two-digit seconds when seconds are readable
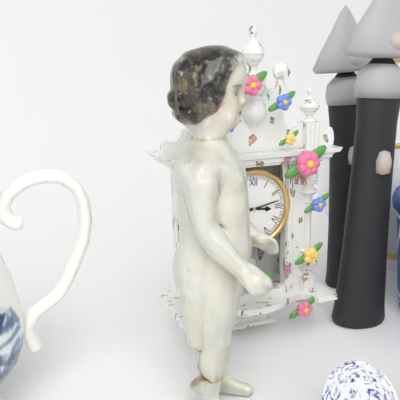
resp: 3,13
